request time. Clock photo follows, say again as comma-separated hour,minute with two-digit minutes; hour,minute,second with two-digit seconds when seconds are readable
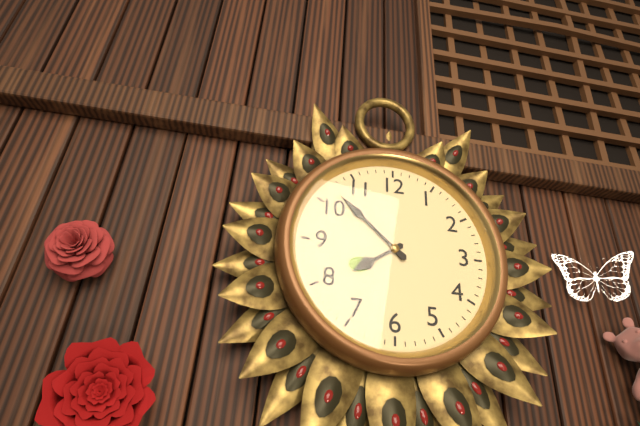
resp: 7,52
